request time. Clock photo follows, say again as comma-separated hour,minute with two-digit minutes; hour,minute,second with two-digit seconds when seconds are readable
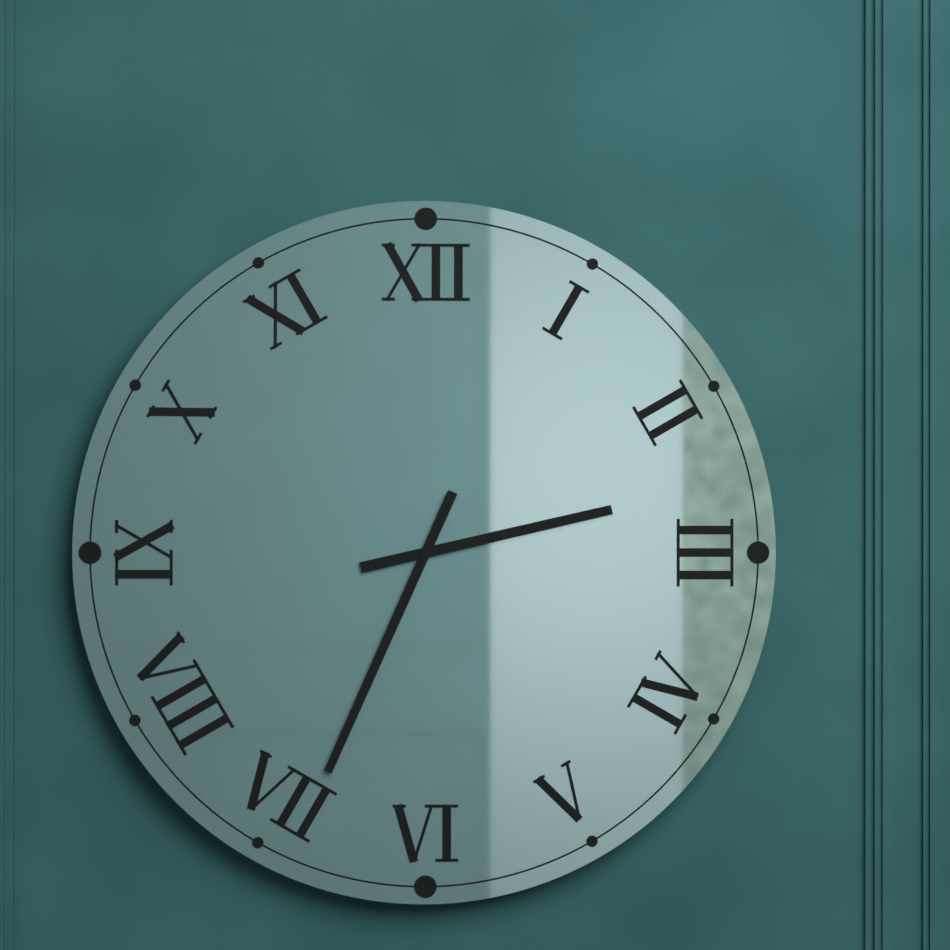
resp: 2,34
